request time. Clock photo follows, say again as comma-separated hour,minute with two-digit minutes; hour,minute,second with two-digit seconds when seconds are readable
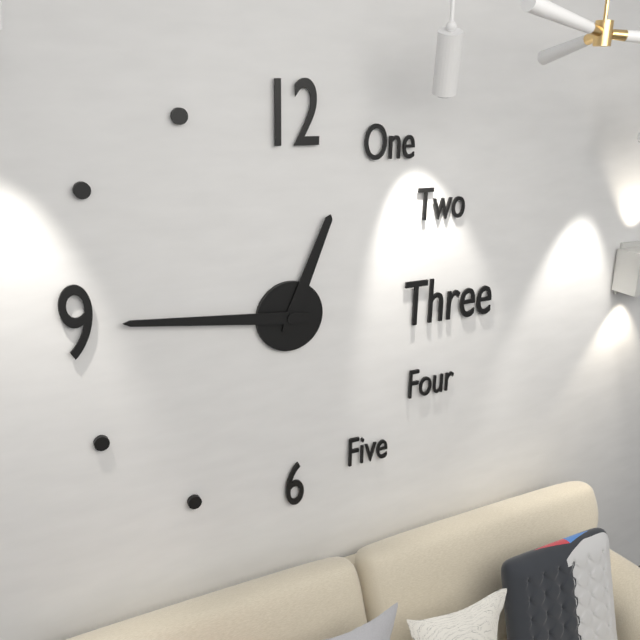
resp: 12,46
